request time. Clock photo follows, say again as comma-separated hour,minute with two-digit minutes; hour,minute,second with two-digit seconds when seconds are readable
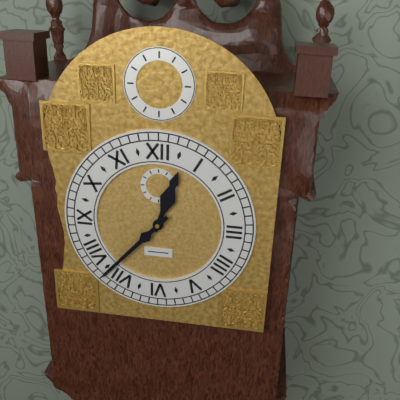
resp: 12,37
